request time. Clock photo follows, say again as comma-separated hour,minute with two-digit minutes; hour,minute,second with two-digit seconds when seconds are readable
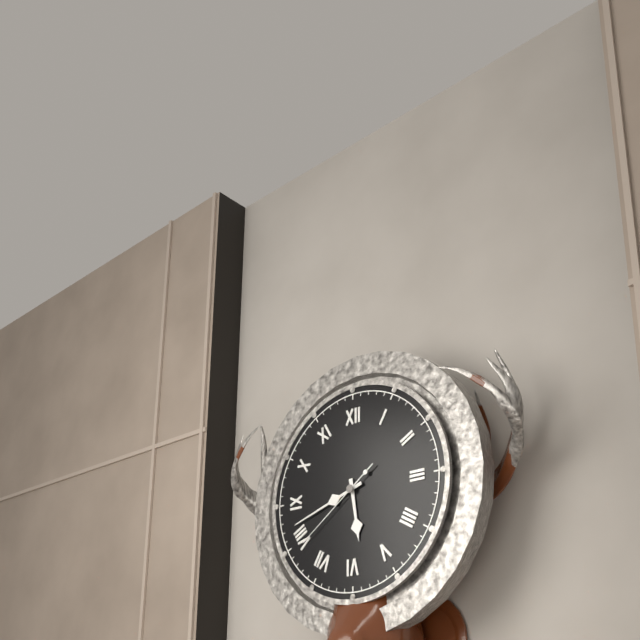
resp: 5,42,39
